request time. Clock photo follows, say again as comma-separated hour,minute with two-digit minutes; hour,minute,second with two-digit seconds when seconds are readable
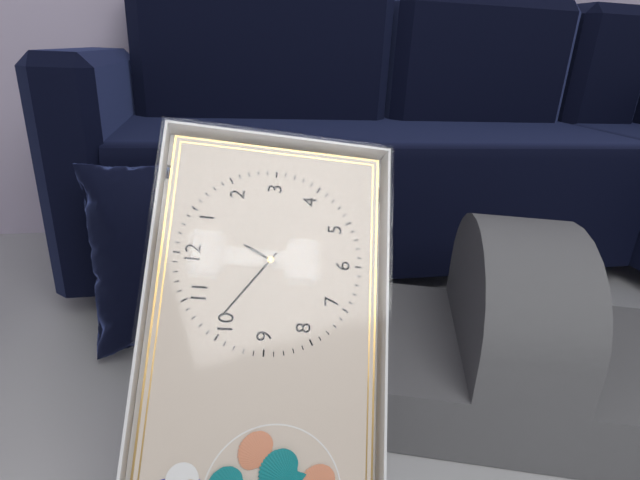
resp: 12,51
